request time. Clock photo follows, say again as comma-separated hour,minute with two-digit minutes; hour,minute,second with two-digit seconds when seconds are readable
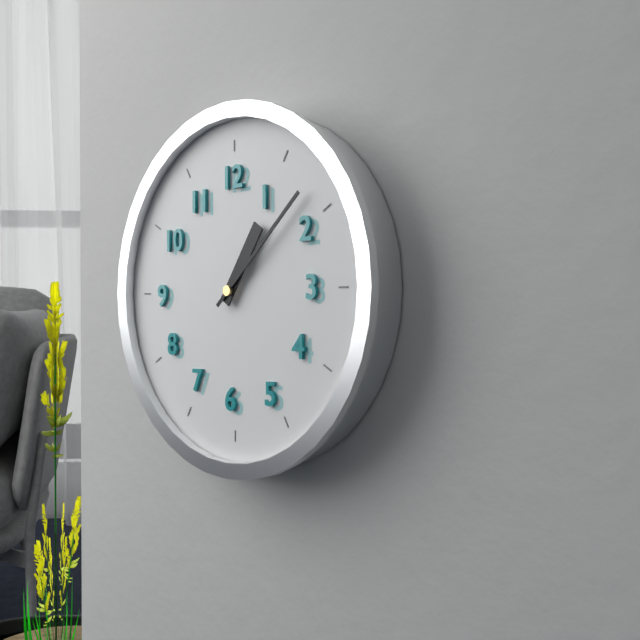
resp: 1,08
